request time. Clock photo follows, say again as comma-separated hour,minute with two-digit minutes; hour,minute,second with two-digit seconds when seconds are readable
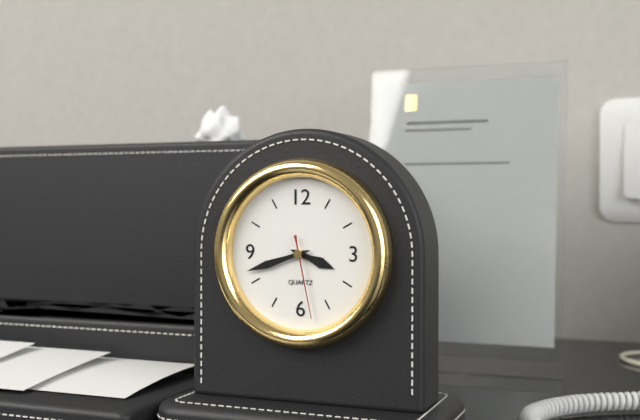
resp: 3,42,28
